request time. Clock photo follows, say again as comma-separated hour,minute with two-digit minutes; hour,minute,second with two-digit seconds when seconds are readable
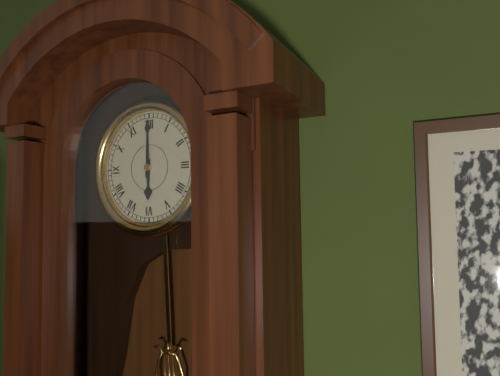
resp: 6,00
